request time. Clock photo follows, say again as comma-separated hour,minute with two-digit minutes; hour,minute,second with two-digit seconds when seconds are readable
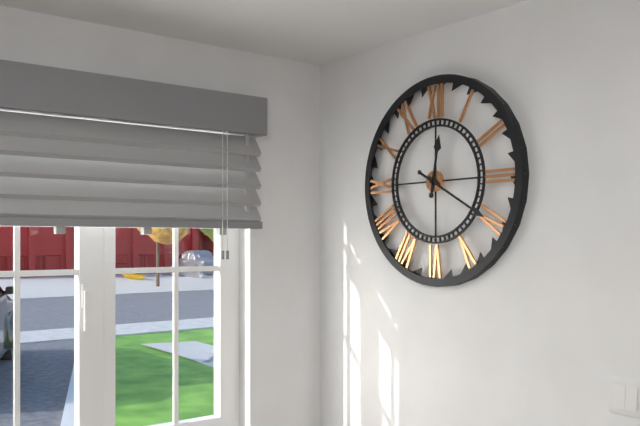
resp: 12,20
